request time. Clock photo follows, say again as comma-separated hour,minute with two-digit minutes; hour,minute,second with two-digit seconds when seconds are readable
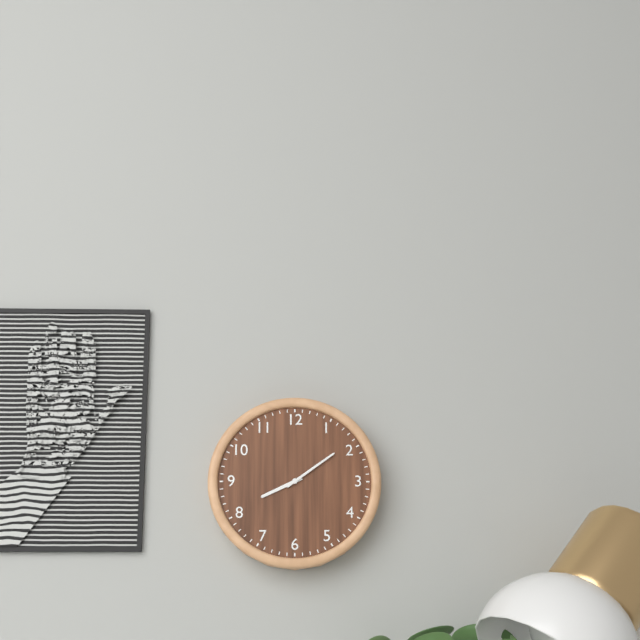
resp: 8,09
